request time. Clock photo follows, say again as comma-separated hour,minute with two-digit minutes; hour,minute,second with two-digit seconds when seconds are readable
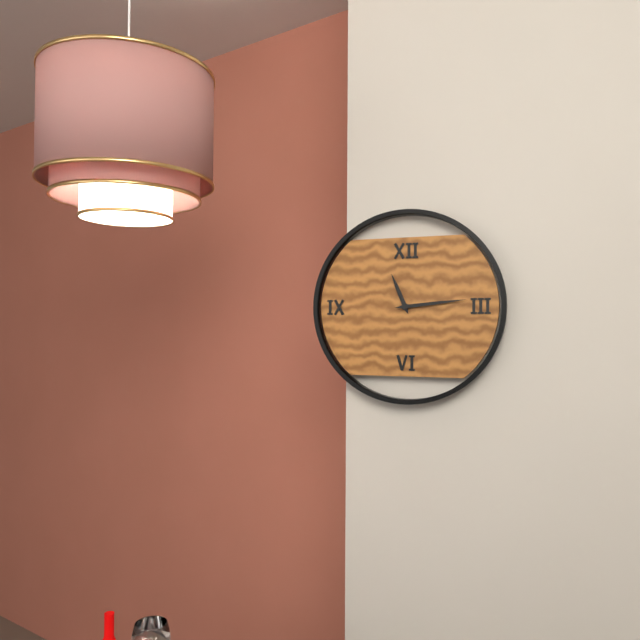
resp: 11,14
